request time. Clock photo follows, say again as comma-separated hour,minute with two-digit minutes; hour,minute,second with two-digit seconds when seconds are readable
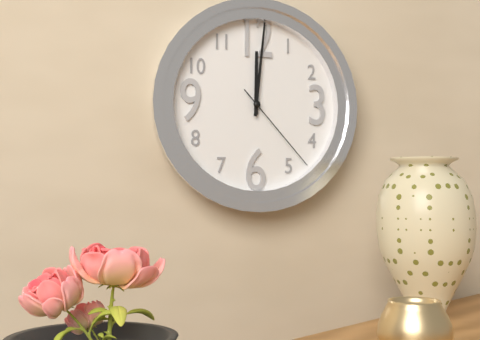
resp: 12,01,23
